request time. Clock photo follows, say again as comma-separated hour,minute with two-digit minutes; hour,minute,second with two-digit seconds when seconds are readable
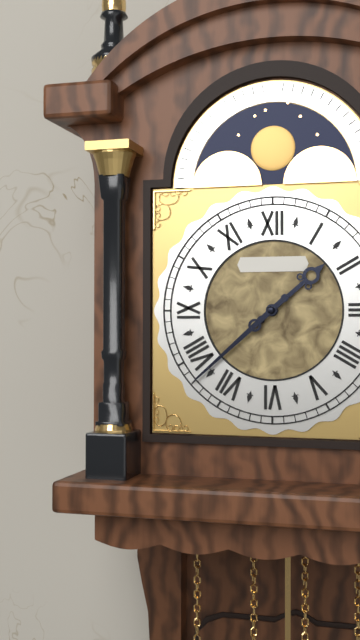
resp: 1,38
